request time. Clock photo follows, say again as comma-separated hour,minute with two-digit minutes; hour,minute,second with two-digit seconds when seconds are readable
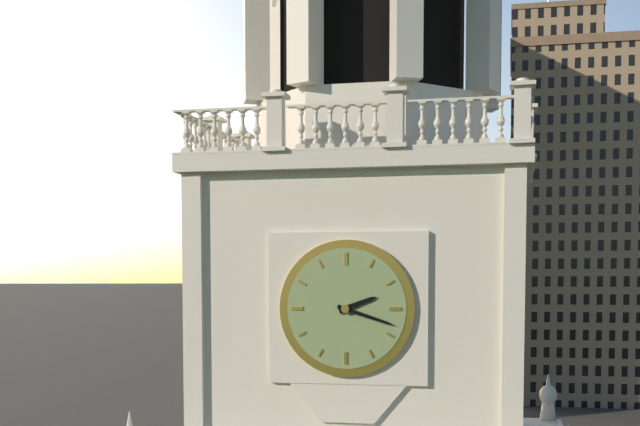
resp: 2,18
